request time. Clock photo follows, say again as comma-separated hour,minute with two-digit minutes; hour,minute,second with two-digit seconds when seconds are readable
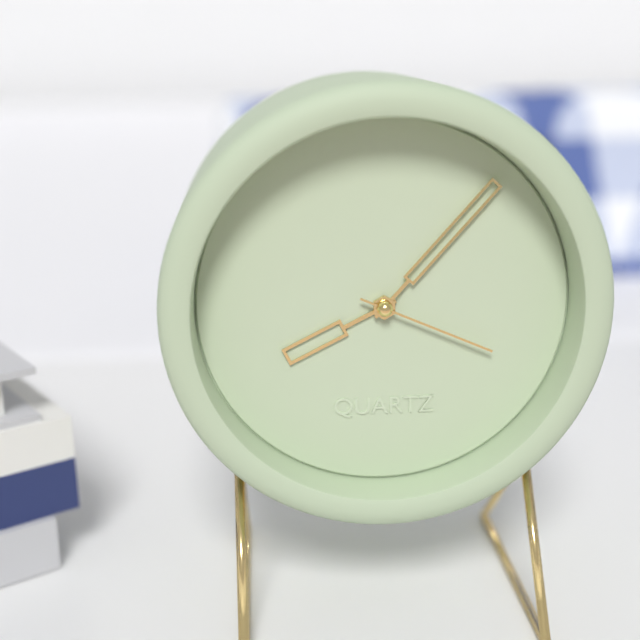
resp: 8,07,19
